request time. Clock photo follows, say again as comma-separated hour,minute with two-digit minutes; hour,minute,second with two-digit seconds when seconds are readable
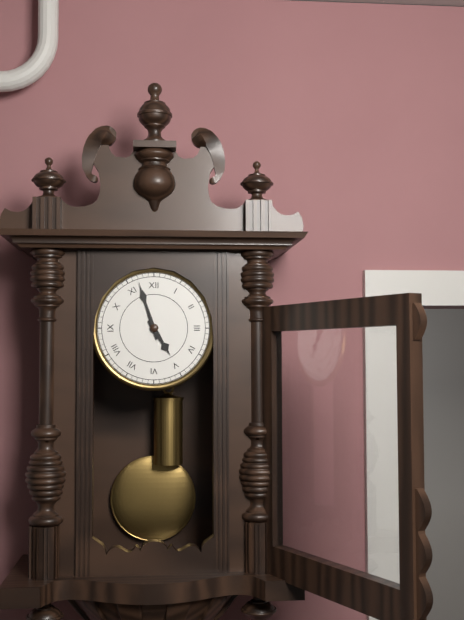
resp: 4,57
